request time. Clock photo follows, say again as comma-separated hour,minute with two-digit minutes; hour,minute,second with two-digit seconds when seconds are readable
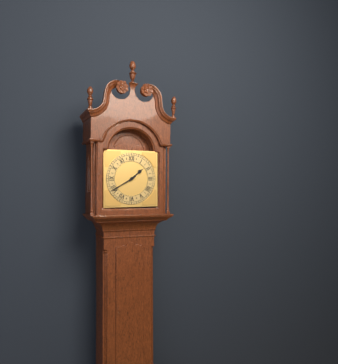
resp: 1,40
